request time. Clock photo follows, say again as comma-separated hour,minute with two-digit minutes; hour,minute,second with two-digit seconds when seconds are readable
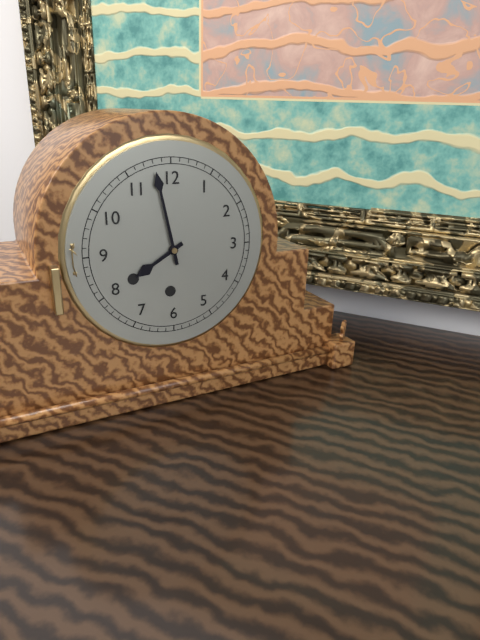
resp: 7,58
